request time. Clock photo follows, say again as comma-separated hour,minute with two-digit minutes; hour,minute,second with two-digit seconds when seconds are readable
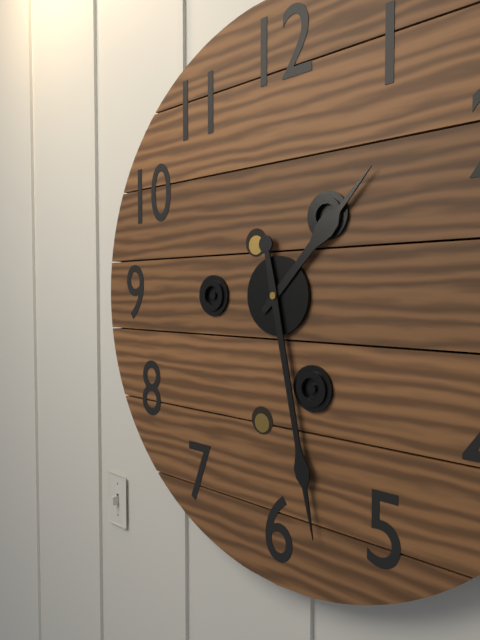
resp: 1,28
